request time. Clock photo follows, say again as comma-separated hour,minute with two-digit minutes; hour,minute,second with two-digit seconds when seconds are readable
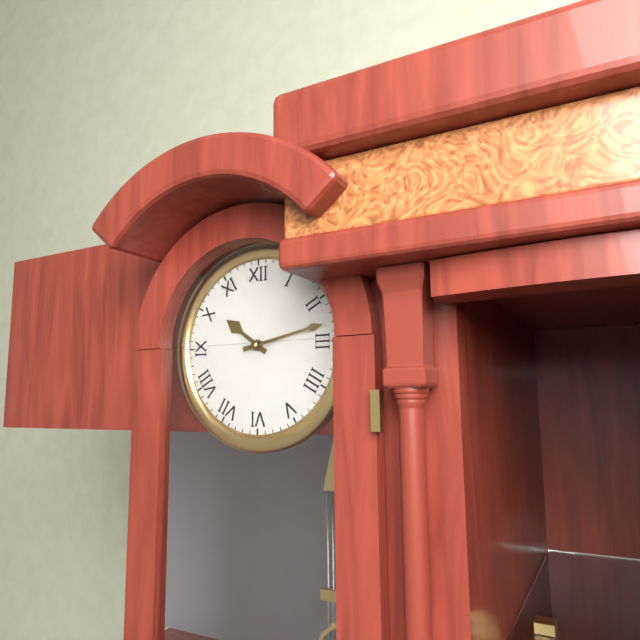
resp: 10,13
